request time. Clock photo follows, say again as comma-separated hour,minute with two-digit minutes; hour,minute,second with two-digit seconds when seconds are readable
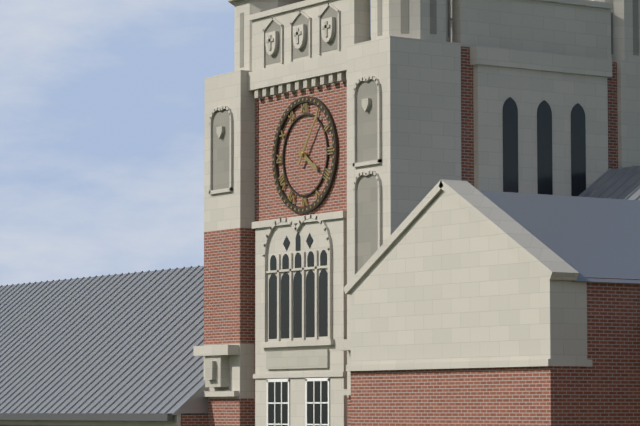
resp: 4,06
